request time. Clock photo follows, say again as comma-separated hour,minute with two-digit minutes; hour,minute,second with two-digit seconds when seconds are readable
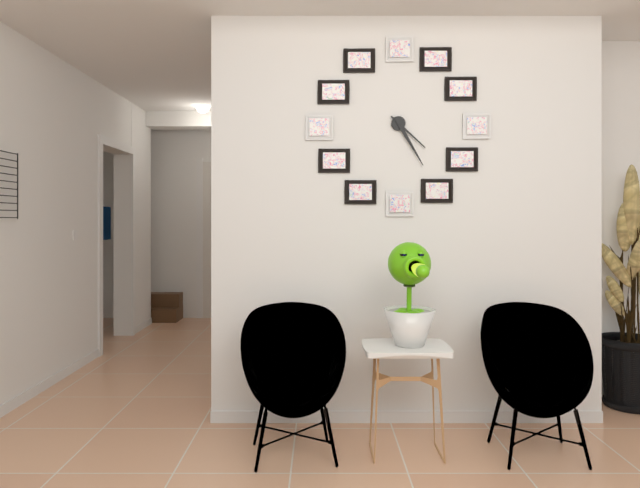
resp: 4,25
